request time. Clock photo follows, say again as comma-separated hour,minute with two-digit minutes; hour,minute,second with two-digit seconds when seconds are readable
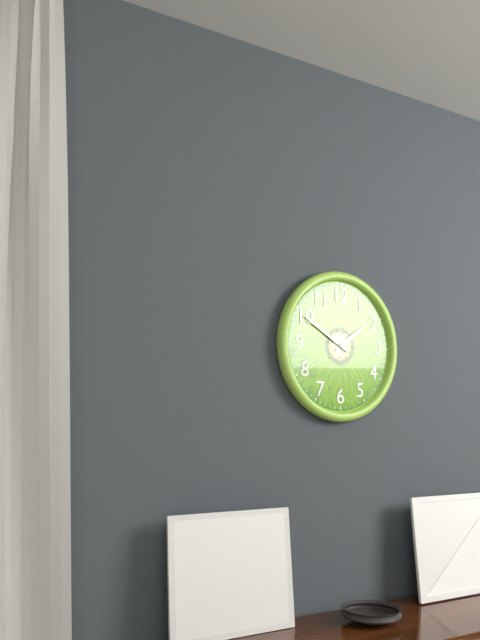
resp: 1,50
